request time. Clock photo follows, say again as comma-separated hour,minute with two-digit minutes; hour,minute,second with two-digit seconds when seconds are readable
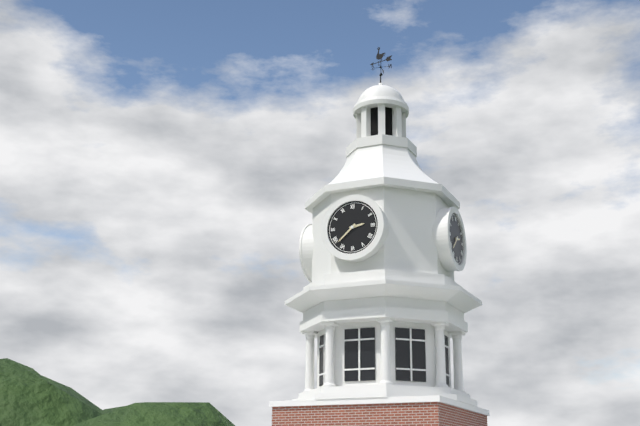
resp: 2,38
